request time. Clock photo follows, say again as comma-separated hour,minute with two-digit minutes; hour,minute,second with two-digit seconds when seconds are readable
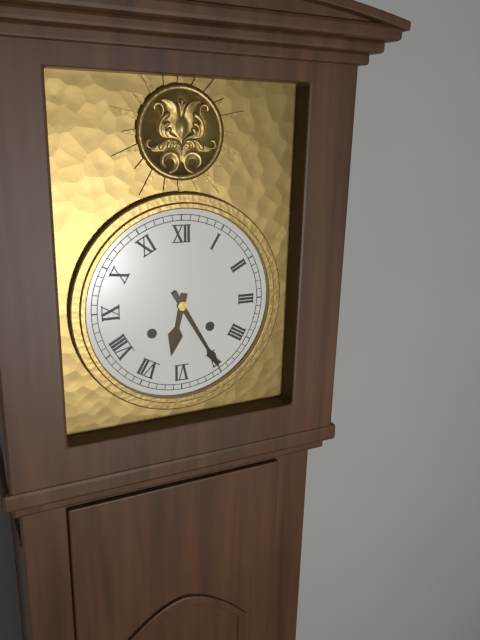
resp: 6,25
